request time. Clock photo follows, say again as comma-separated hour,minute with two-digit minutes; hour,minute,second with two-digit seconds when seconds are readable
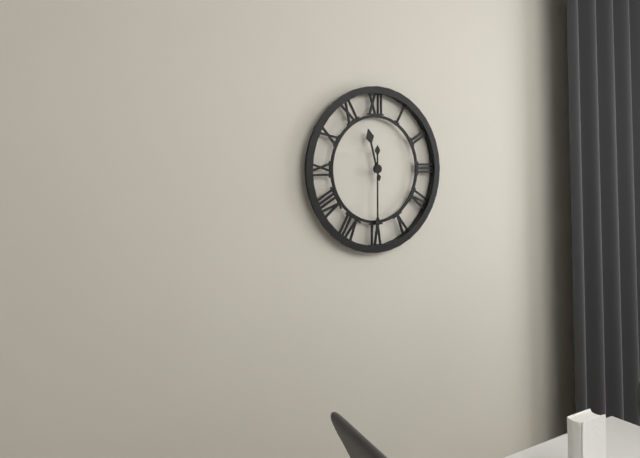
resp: 11,30
